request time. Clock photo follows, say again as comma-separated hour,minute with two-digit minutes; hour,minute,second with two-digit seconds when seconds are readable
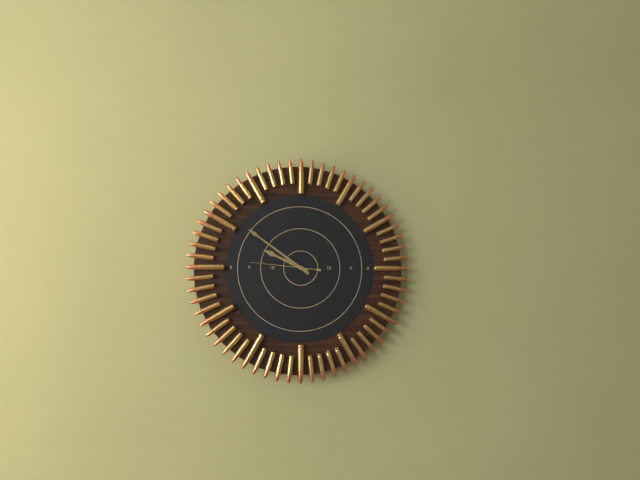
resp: 9,51,46
